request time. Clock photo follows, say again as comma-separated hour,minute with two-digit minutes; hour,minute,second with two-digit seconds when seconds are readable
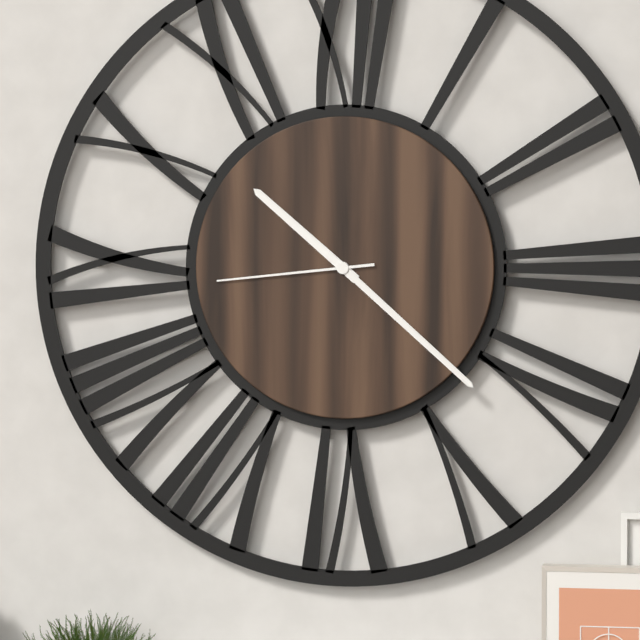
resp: 10,22,44
